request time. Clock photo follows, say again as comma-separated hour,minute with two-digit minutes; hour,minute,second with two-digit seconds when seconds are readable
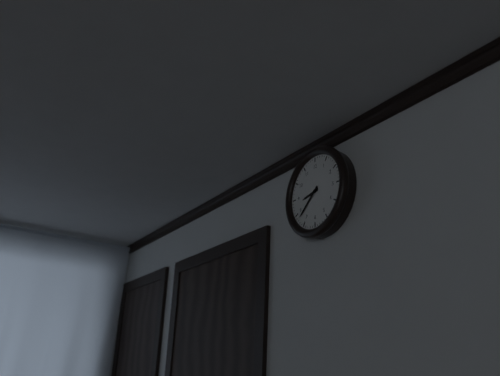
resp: 8,38
